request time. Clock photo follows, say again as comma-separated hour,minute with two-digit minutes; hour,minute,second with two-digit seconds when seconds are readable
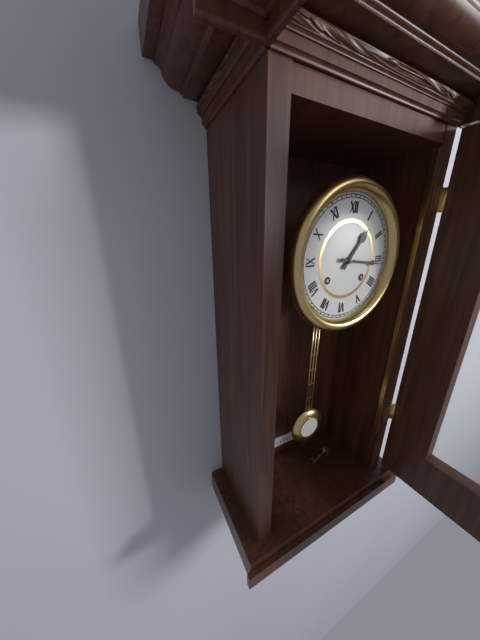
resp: 1,16
